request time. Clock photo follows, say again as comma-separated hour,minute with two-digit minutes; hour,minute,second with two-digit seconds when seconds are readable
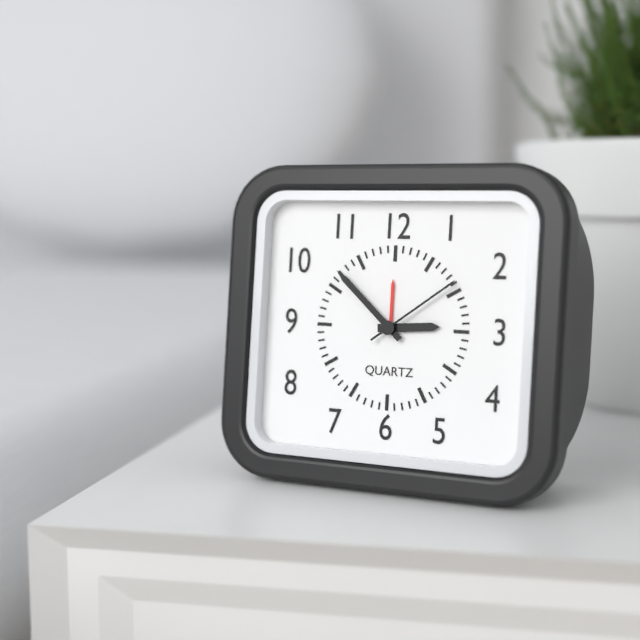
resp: 2,52,09
